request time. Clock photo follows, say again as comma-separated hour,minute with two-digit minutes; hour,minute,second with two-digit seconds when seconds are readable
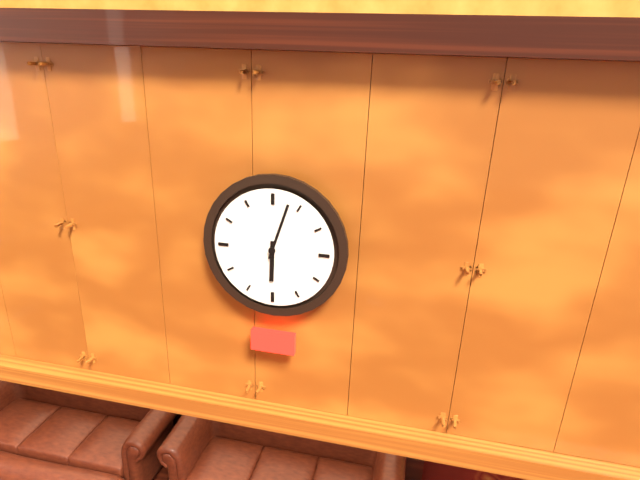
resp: 6,03
